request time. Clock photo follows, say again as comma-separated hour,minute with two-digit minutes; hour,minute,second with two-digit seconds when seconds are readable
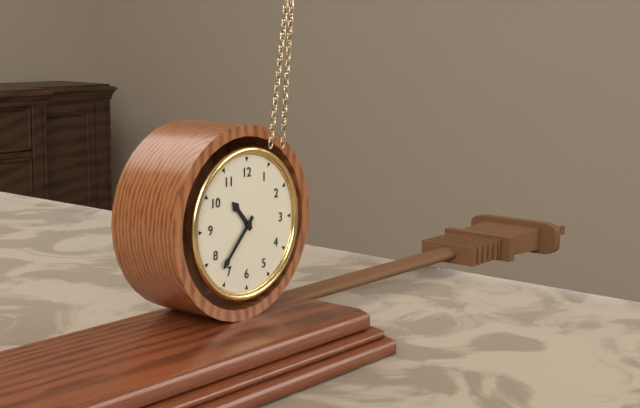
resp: 10,37
